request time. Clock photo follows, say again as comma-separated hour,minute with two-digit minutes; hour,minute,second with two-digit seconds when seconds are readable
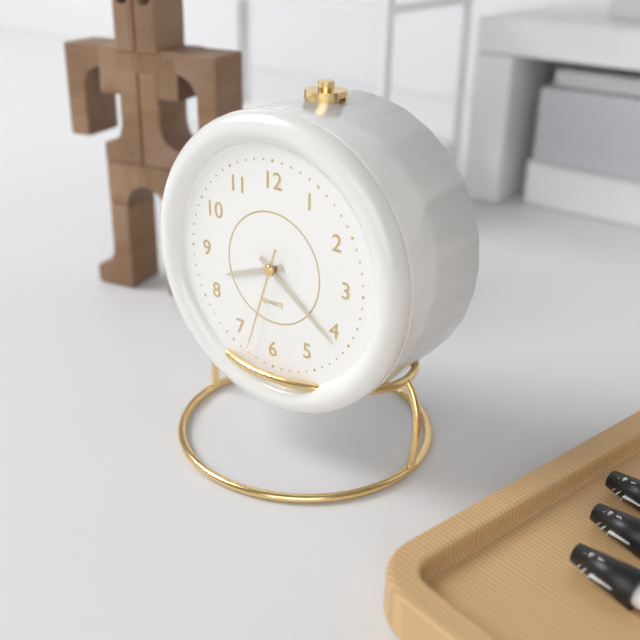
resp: 8,21,33
